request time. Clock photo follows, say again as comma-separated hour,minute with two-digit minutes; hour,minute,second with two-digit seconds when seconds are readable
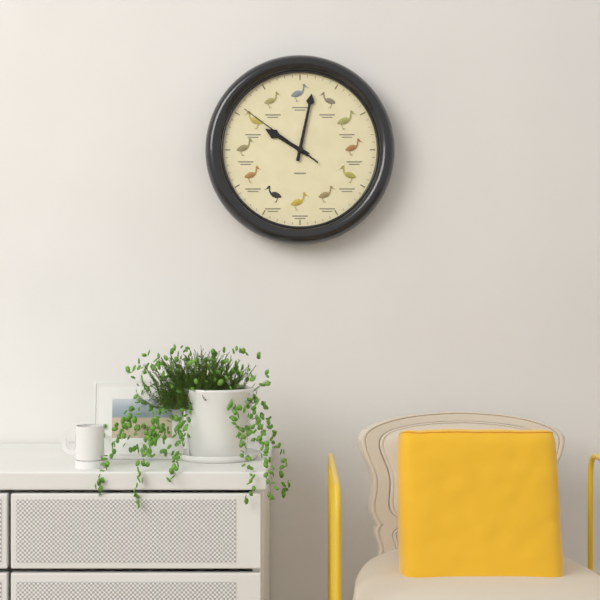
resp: 10,02,51
